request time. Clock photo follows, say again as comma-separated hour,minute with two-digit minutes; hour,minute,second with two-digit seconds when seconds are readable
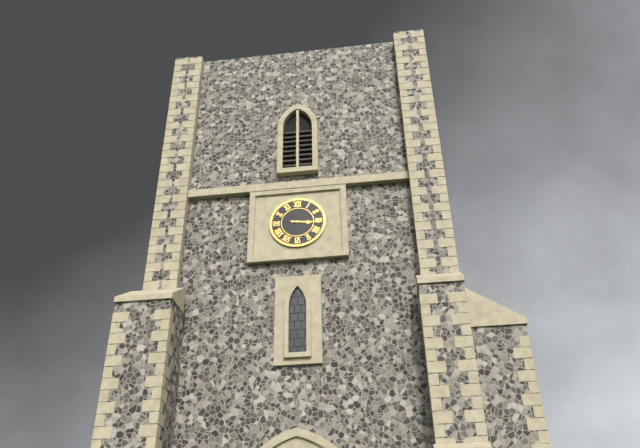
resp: 3,16
